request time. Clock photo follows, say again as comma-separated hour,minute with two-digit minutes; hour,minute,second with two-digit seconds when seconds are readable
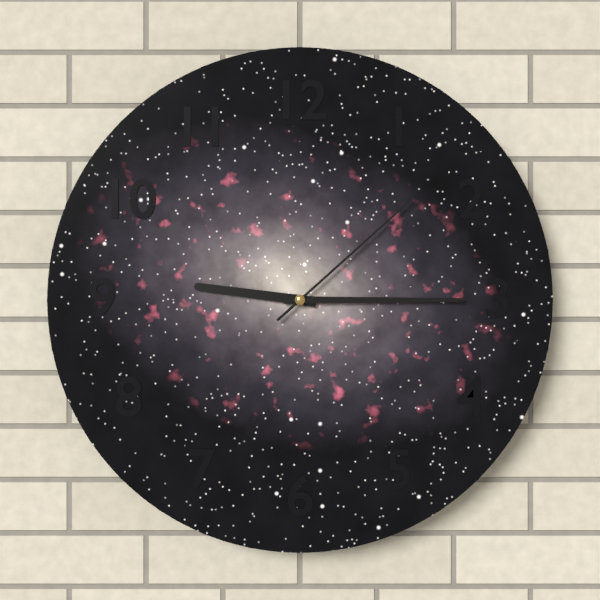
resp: 9,15,08
